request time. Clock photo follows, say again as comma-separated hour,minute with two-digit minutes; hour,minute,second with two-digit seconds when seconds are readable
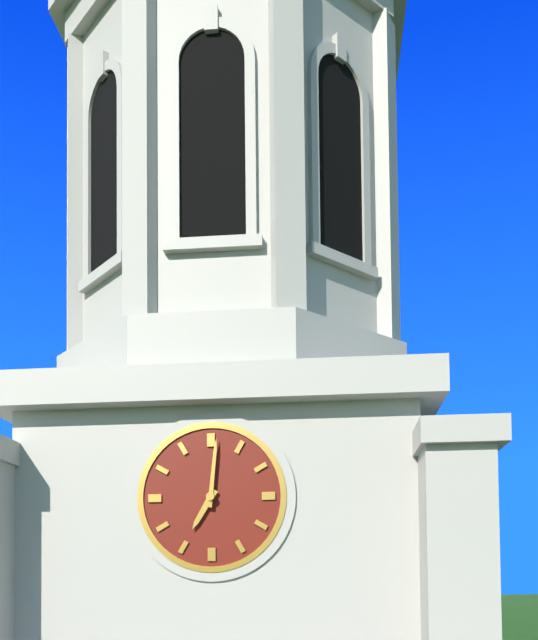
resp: 7,01
